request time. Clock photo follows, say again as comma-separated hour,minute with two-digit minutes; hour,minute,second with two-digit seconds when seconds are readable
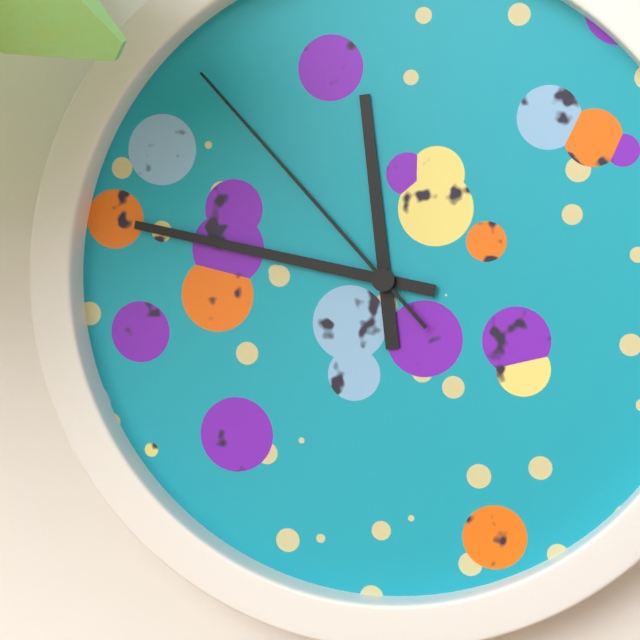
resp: 11,47,53
